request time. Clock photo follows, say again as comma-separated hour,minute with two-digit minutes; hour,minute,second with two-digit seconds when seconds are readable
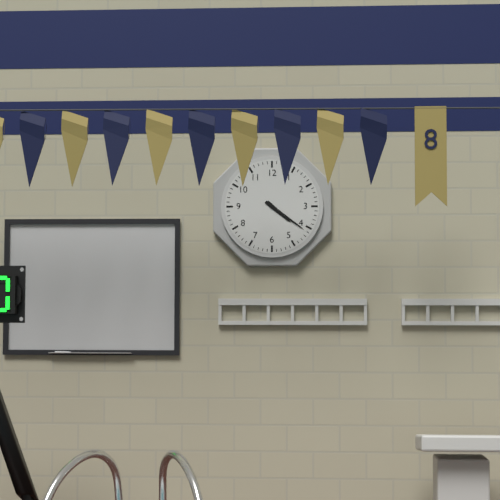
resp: 4,21
